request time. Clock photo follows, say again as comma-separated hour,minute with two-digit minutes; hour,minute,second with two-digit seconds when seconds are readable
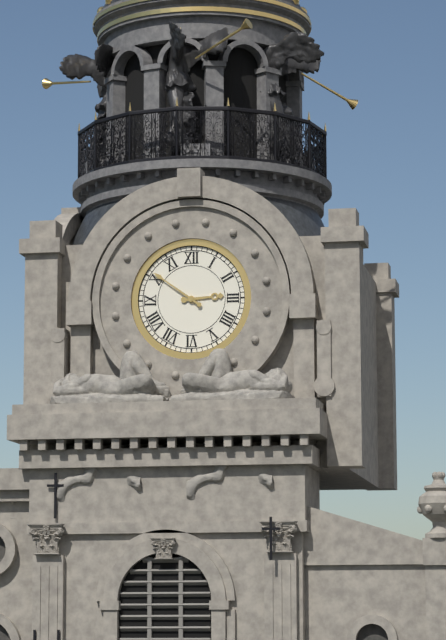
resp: 2,51
